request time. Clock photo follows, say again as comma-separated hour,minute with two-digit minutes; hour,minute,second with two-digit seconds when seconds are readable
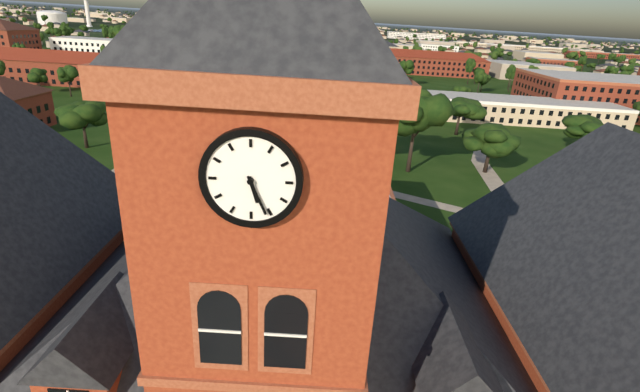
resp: 5,26
